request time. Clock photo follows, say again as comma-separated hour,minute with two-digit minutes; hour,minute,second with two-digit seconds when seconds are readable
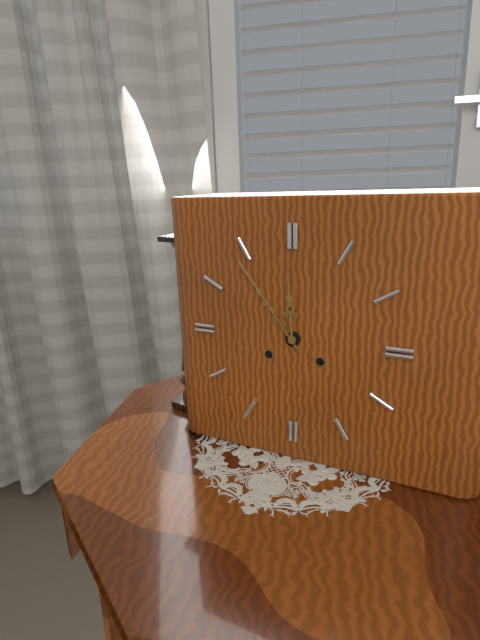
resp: 11,54
